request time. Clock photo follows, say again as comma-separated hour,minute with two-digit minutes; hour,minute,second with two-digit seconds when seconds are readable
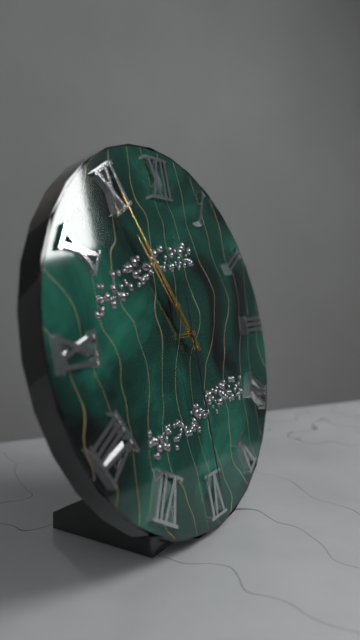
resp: 10,55,30
